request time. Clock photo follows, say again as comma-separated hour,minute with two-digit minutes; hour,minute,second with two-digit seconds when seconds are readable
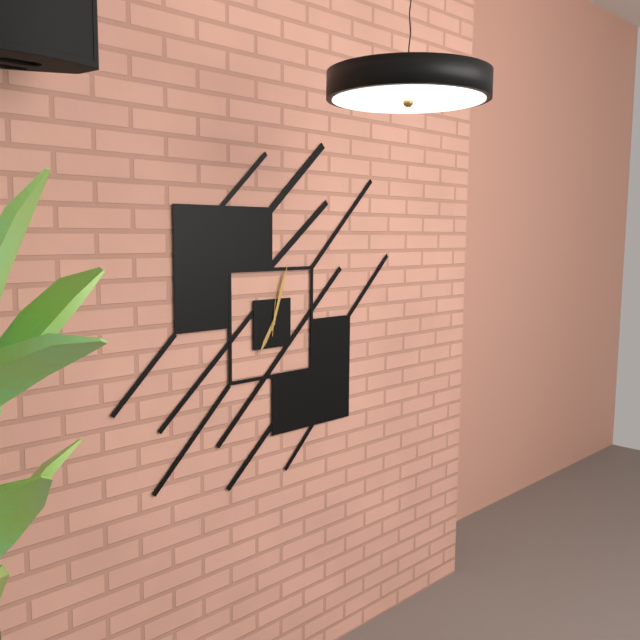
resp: 7,03,01
